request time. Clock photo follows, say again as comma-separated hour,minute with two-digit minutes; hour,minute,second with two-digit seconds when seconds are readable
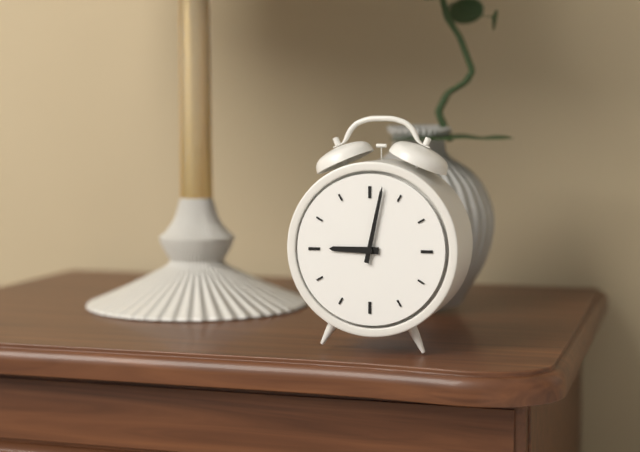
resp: 9,02
